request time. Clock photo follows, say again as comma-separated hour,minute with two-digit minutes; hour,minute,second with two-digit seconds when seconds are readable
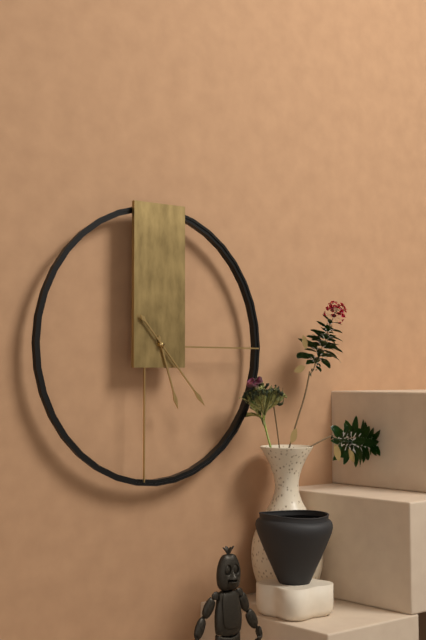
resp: 5,23
